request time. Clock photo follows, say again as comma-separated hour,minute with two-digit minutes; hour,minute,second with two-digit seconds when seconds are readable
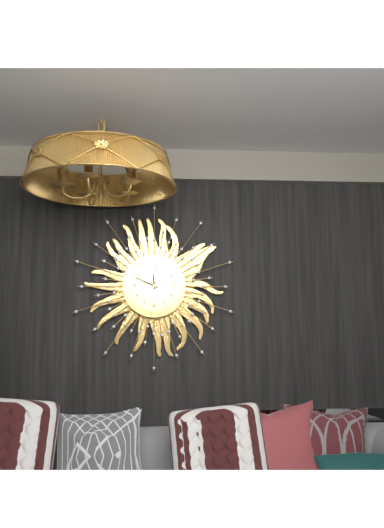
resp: 11,49
